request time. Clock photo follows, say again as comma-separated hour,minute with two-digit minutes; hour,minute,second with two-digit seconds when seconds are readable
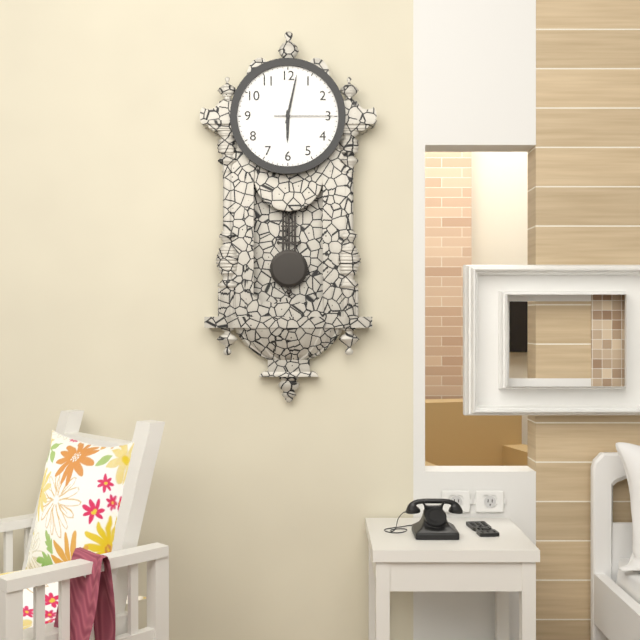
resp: 6,02,15
